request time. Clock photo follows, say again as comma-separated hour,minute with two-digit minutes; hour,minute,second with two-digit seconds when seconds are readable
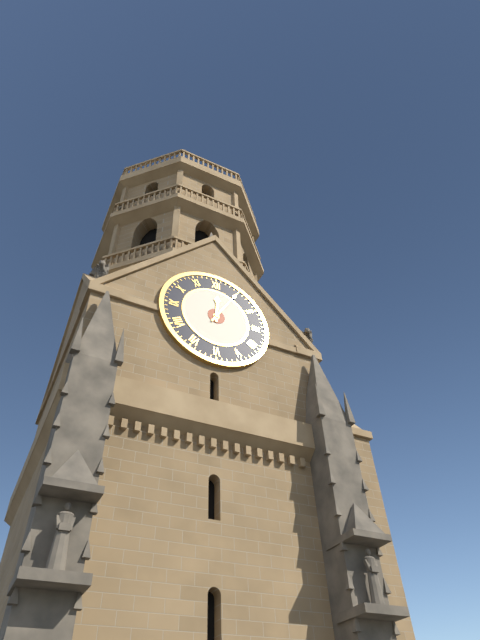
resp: 12,05
